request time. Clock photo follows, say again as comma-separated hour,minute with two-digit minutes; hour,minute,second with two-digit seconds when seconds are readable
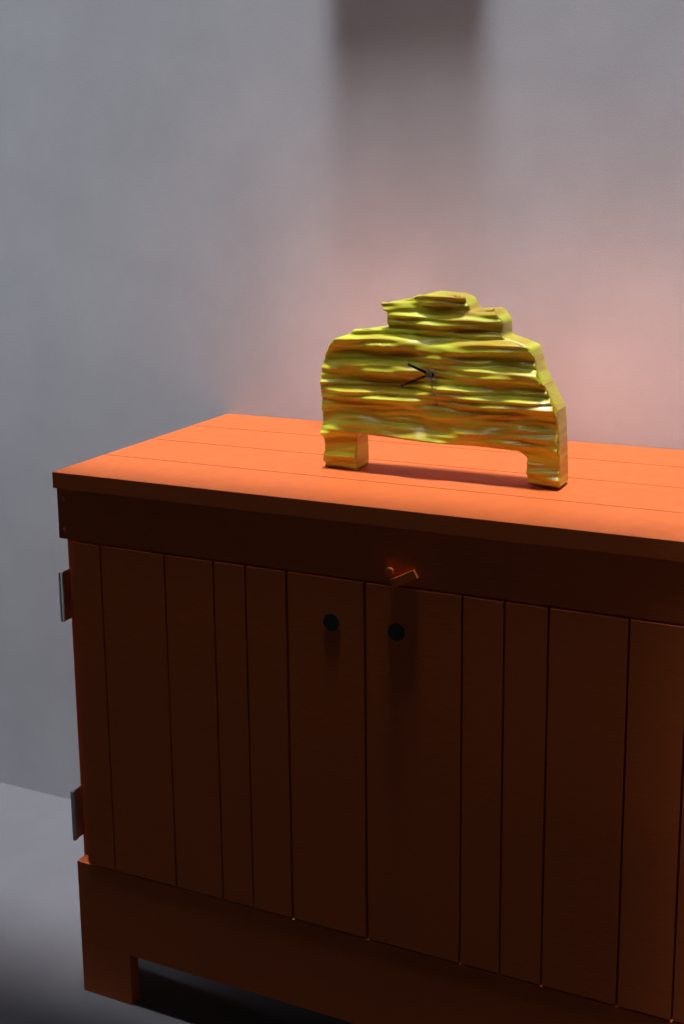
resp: 9,41
